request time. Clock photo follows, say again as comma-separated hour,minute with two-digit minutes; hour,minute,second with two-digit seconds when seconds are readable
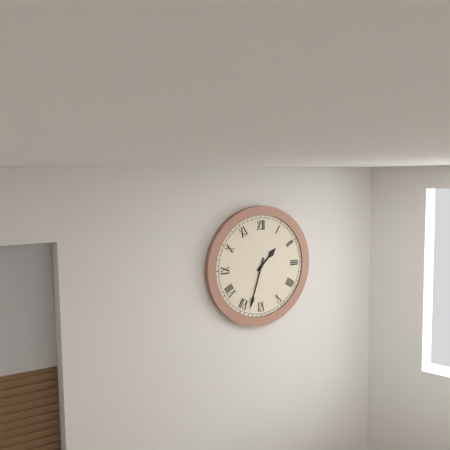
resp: 1,33
